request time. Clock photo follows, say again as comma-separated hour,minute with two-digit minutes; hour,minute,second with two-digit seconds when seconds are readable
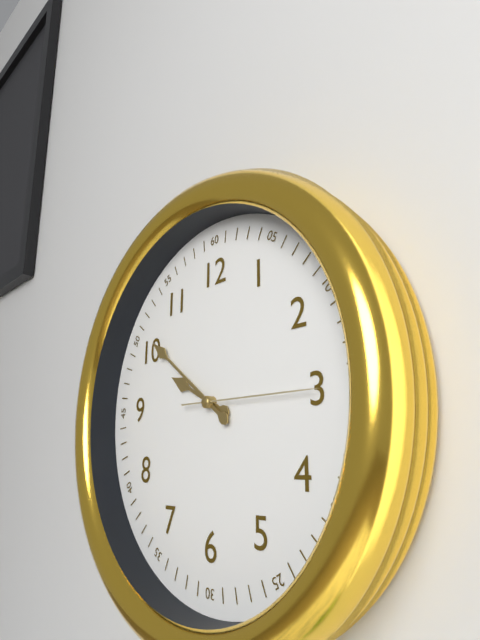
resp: 9,51,15
